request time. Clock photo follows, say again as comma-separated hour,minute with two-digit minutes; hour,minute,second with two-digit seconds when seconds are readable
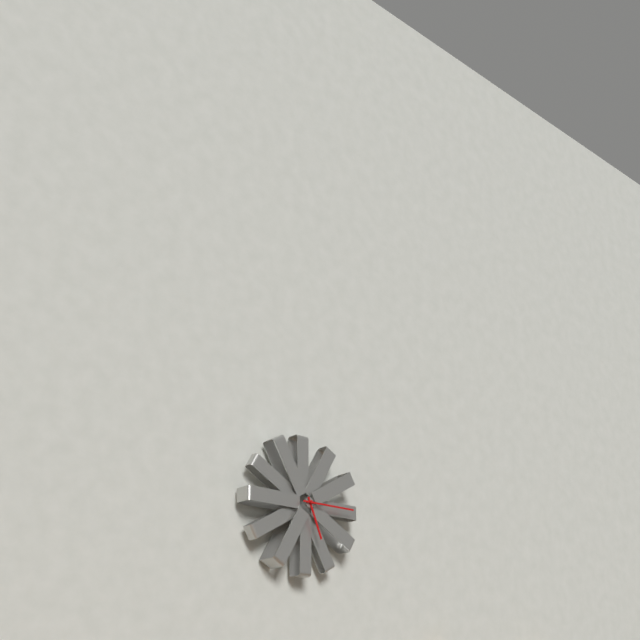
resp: 5,15
